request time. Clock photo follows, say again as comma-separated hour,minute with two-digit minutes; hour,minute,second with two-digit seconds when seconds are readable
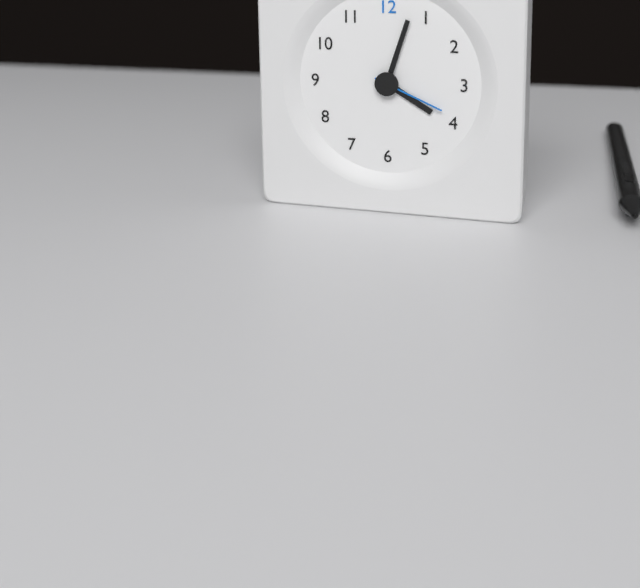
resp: 4,03,19
